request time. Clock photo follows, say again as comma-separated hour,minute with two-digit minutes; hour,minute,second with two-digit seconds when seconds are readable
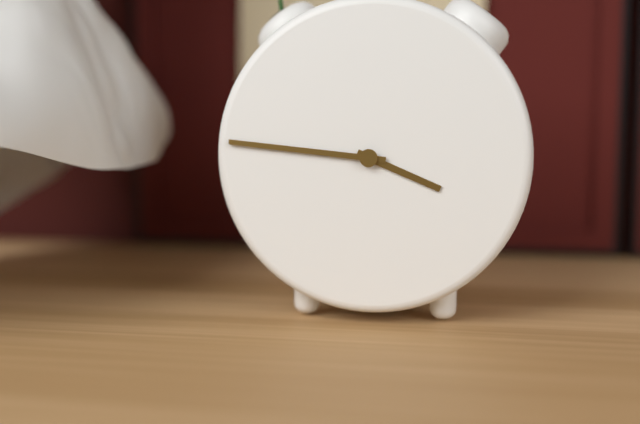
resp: 3,46
